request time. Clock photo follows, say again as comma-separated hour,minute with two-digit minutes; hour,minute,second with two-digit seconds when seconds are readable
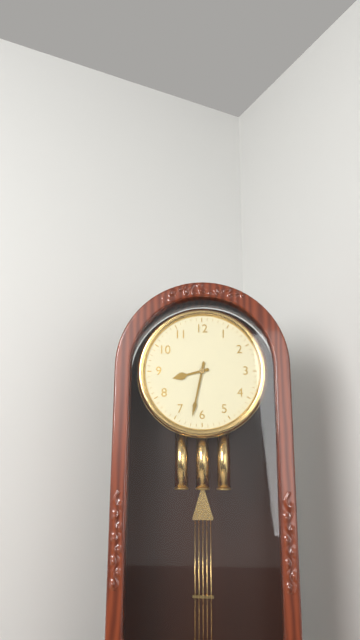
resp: 8,32
